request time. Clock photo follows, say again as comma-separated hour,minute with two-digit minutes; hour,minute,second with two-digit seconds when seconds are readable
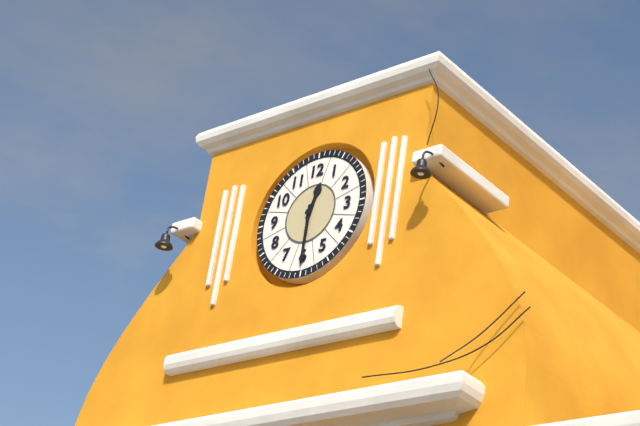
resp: 12,30
